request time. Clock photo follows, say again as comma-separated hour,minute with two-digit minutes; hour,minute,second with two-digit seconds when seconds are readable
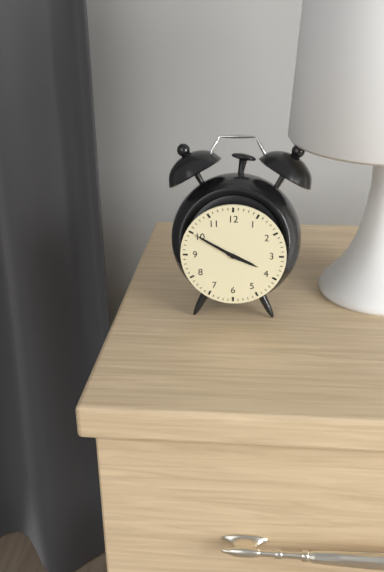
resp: 3,50
